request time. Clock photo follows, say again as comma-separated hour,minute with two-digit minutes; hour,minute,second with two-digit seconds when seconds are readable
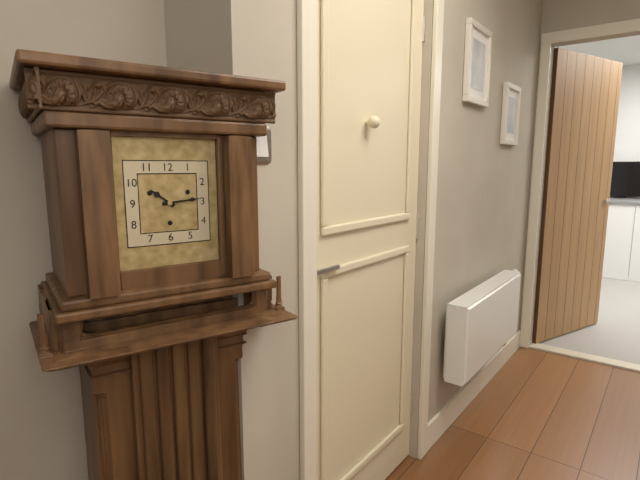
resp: 10,14
